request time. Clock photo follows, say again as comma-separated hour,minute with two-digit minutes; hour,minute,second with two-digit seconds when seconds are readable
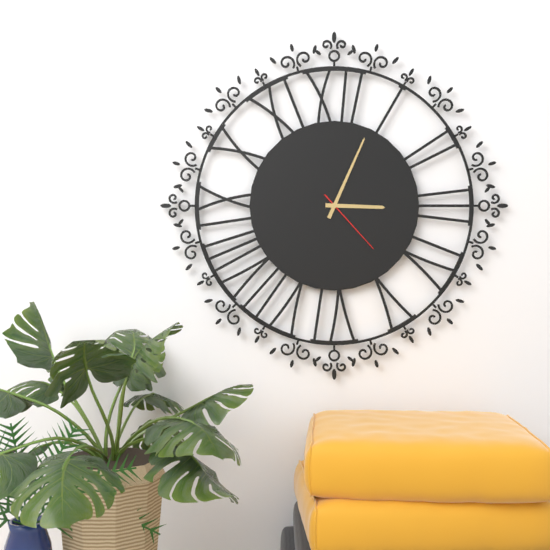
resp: 3,04,23
